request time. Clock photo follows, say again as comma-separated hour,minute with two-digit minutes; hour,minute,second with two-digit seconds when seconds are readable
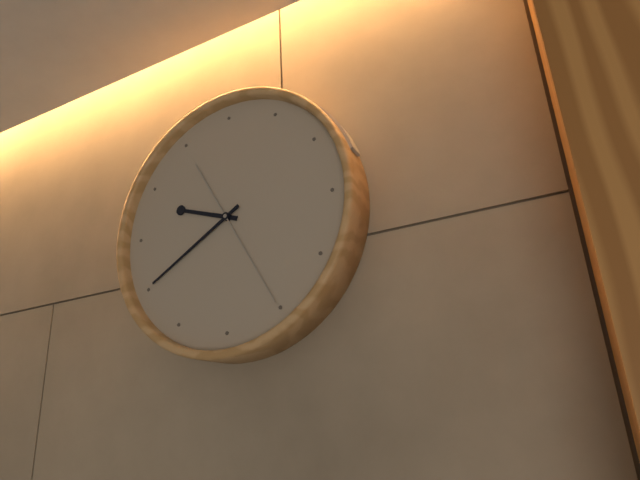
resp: 9,40,25
